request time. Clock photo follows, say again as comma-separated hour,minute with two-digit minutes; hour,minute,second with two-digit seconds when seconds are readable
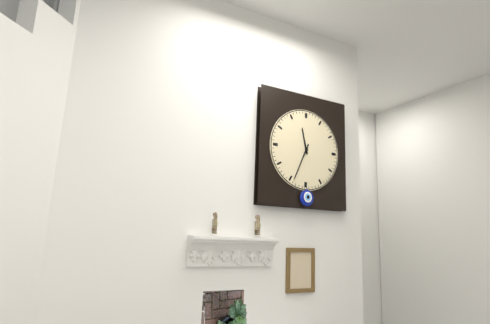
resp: 11,34
